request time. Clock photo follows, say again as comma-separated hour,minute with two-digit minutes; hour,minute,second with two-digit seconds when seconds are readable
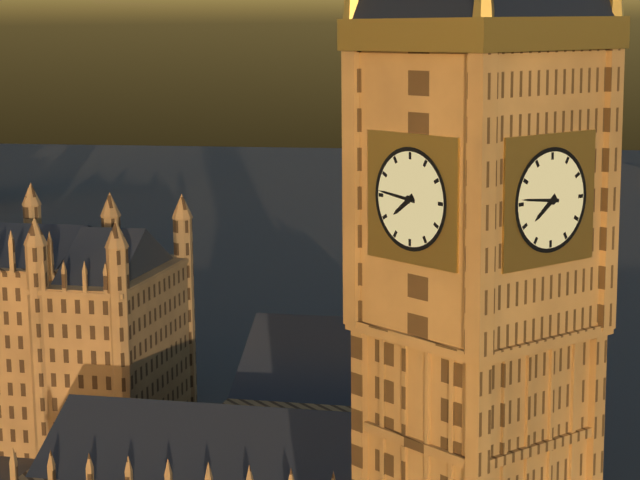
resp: 7,46
